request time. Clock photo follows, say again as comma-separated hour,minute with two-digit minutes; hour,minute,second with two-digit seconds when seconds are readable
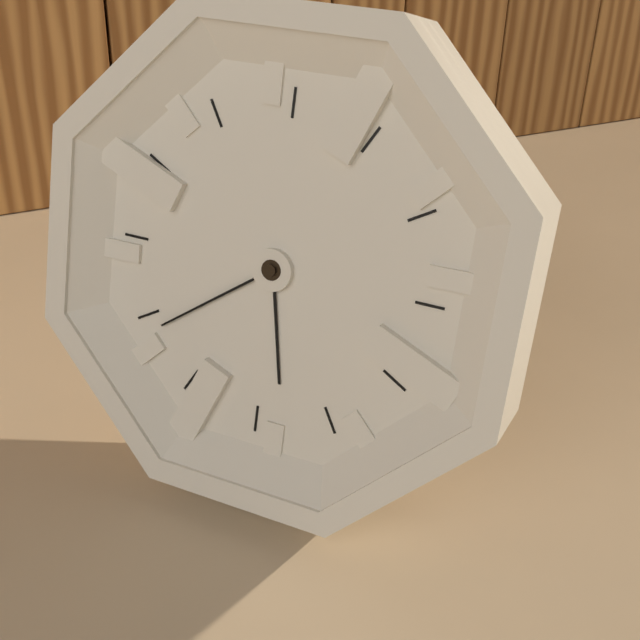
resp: 5,39
